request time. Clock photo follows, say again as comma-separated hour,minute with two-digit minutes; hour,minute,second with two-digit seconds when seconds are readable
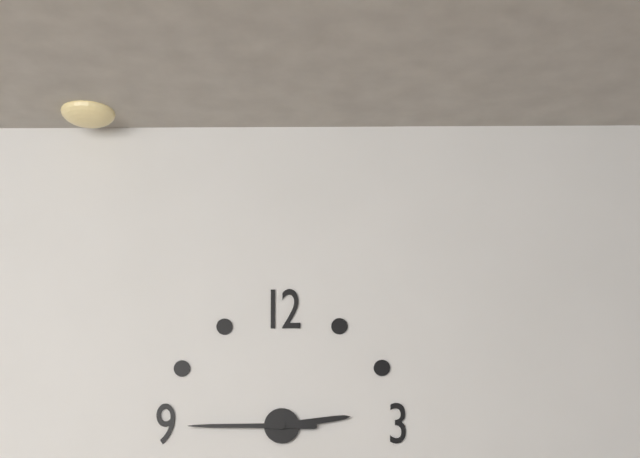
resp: 2,45
